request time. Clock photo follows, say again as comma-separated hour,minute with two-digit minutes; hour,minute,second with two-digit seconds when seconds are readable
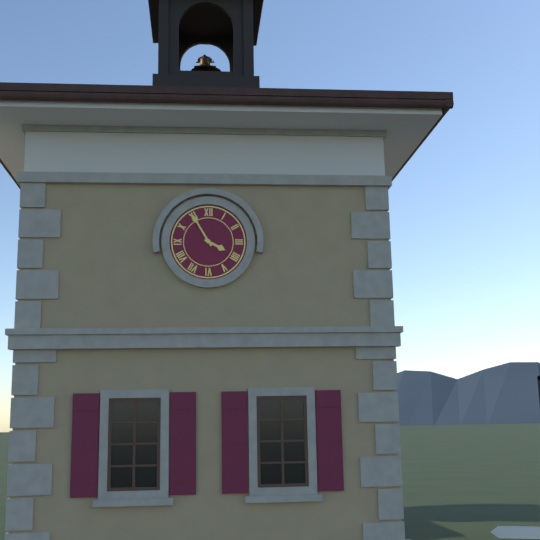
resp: 3,55
